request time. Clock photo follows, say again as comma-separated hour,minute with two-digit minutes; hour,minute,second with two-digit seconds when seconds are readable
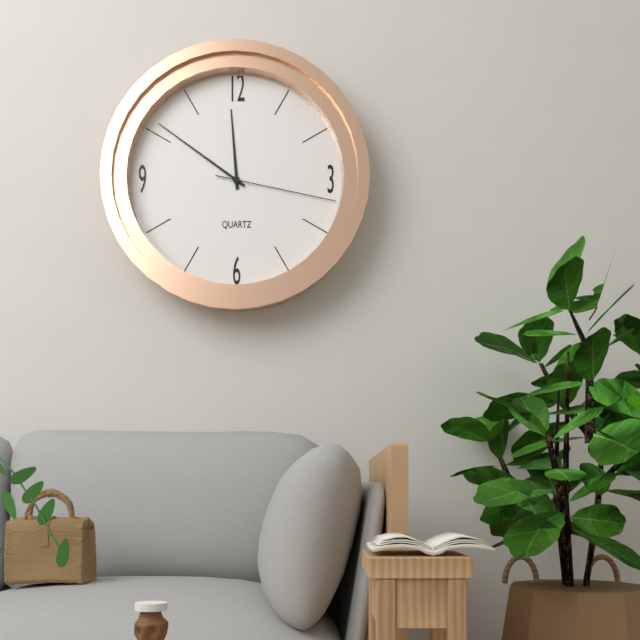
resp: 11,51,17
